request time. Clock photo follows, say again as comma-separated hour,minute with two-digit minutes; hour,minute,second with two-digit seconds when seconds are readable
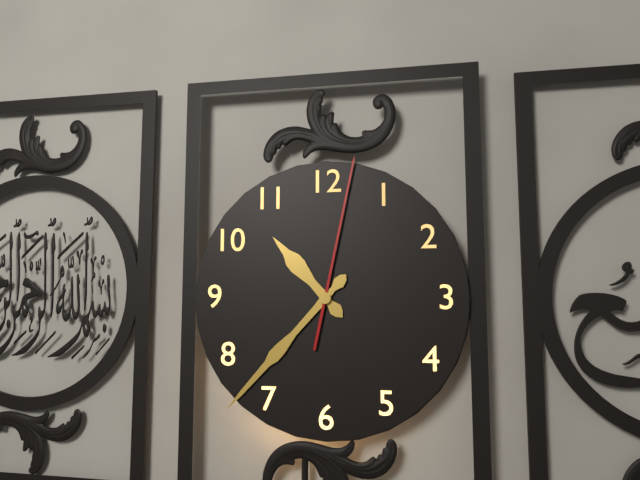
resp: 10,37,02
